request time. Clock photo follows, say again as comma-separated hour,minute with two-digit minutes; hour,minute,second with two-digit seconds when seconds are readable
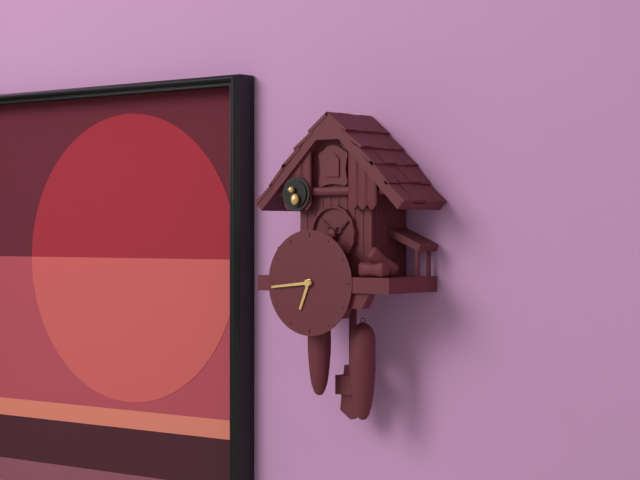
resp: 6,44
